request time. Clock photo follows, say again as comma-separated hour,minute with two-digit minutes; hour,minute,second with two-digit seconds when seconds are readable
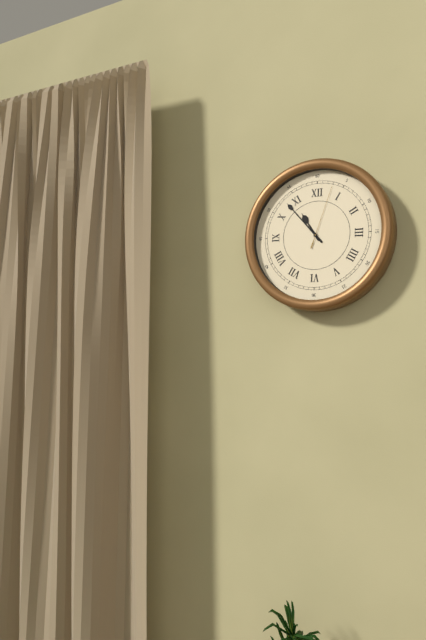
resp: 10,53,03
